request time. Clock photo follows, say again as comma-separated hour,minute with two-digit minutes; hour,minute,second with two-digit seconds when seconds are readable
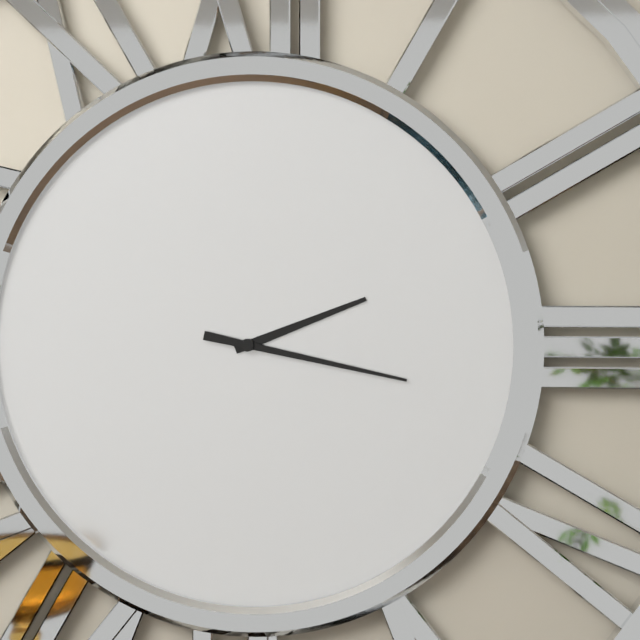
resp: 2,17
